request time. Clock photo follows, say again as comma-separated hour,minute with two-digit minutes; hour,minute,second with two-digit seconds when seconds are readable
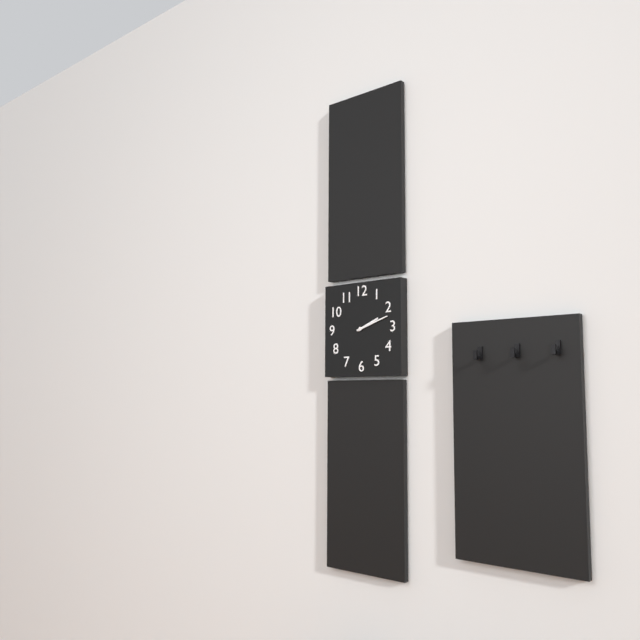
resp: 2,12
